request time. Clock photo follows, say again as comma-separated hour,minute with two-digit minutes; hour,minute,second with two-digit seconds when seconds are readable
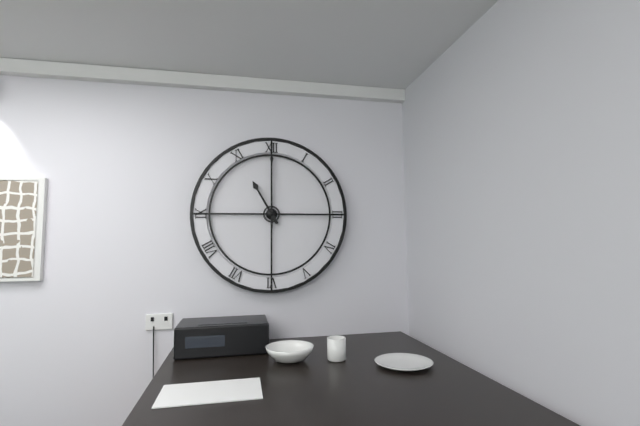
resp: 11,00
